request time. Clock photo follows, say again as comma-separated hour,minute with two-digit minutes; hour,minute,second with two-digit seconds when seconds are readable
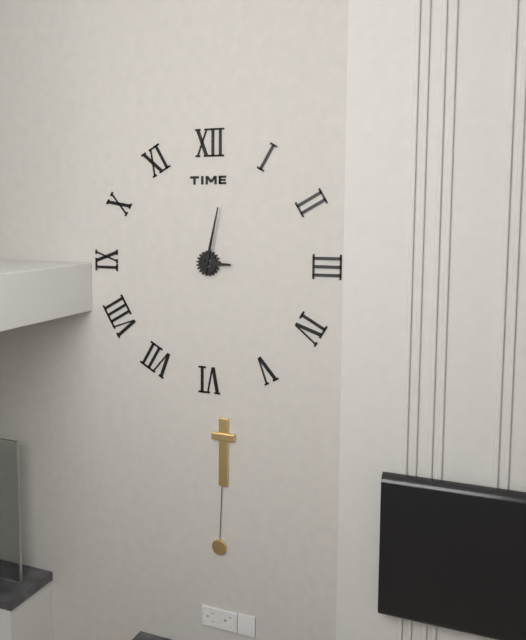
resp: 3,02
